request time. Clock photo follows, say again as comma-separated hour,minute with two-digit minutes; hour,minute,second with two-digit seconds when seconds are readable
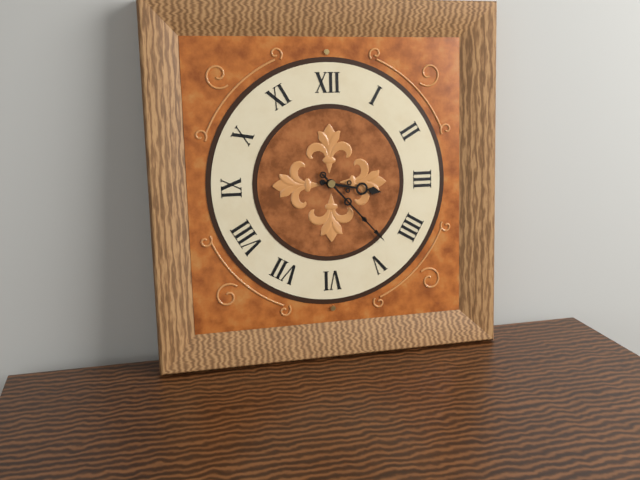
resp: 3,23
